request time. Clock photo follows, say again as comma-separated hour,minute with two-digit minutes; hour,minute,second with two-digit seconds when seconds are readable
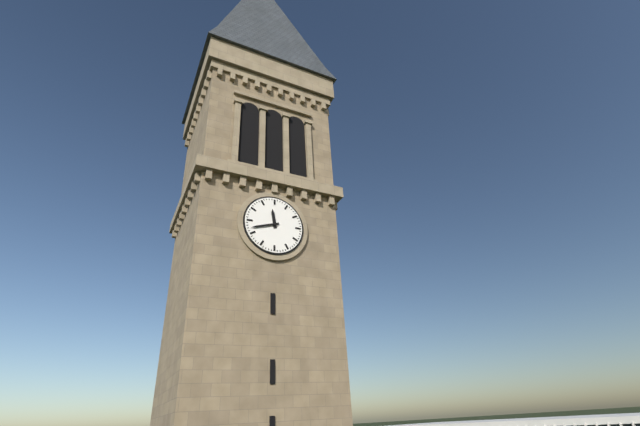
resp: 11,42
